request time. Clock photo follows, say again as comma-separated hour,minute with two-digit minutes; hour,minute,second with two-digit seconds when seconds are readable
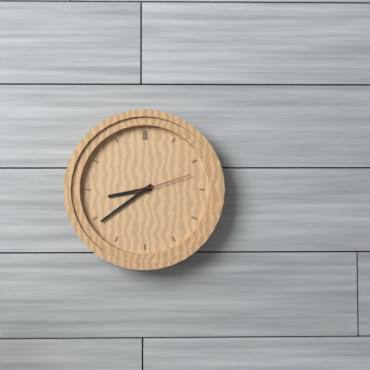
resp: 8,39,12
